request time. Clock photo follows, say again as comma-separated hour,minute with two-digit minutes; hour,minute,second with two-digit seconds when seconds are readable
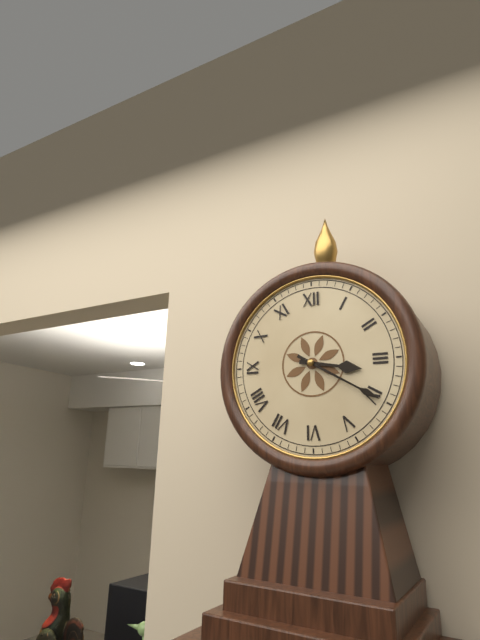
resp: 3,20
